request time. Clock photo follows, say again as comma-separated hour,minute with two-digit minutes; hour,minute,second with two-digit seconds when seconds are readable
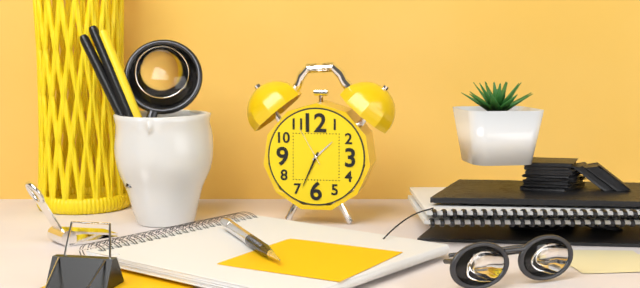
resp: 1,34
